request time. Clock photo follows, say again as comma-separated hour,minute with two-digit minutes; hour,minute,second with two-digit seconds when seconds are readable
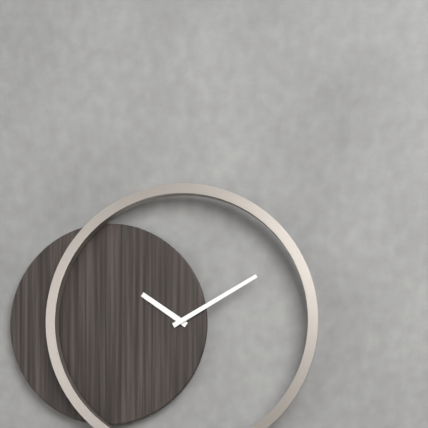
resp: 10,10
